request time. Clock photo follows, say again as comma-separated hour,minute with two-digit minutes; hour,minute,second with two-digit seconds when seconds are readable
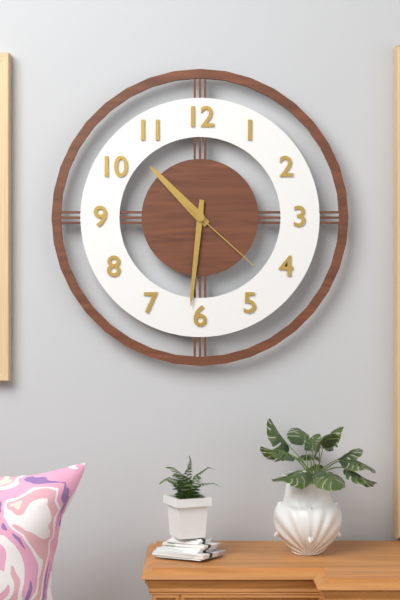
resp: 10,31,22
